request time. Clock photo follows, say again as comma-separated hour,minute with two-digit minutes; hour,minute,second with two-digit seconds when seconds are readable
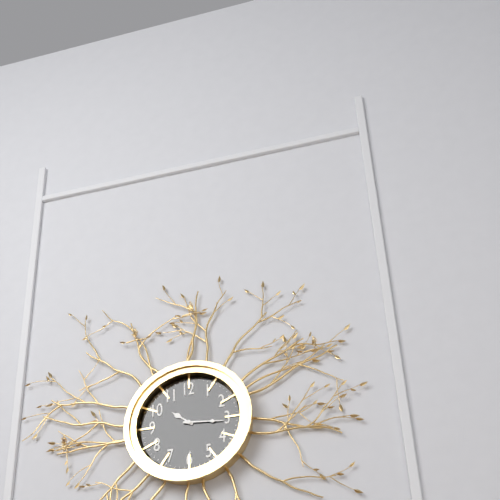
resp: 10,16
